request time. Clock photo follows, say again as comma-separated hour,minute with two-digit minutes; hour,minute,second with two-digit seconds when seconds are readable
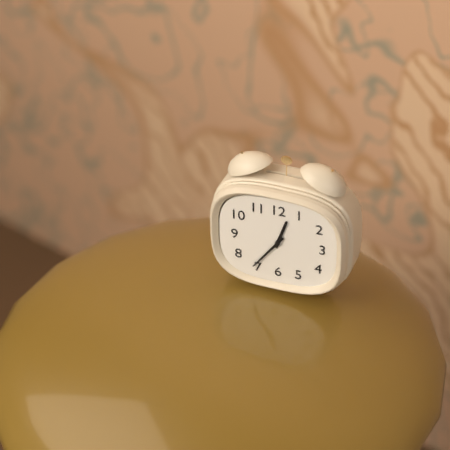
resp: 12,36
